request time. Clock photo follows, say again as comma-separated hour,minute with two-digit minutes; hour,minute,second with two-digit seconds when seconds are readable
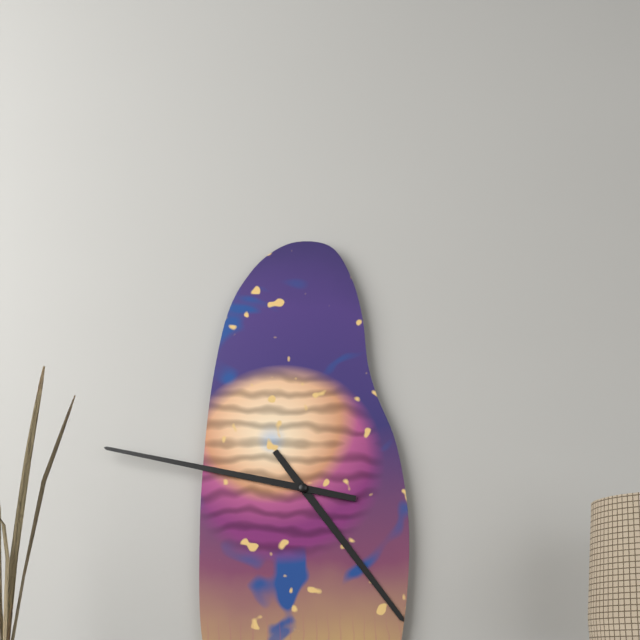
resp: 4,47
